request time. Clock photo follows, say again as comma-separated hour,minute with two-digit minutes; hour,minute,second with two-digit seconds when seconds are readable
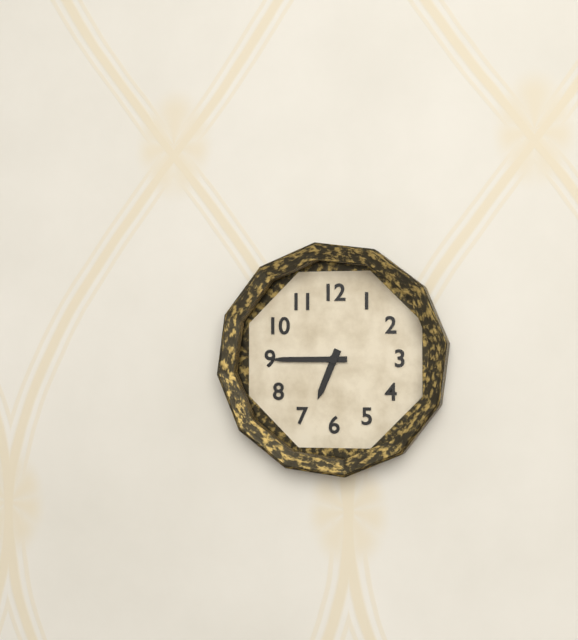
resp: 6,45
